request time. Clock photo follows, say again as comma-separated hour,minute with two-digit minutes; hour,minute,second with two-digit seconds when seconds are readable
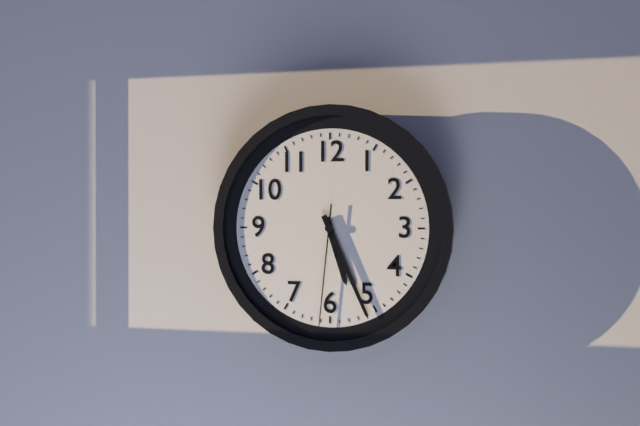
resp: 5,26,31
